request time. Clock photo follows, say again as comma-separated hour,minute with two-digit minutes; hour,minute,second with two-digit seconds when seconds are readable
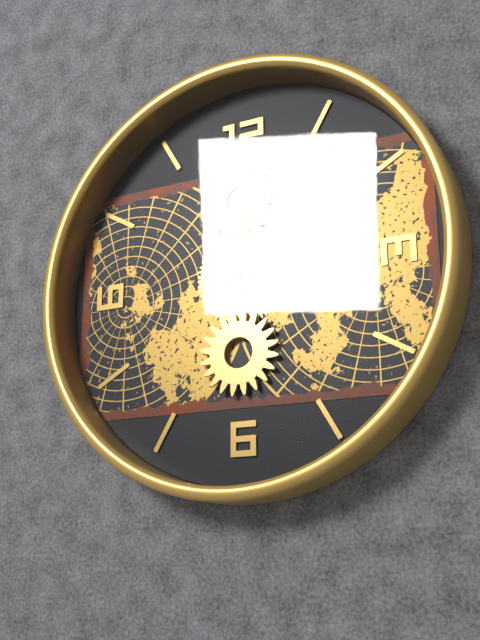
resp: 12,07
